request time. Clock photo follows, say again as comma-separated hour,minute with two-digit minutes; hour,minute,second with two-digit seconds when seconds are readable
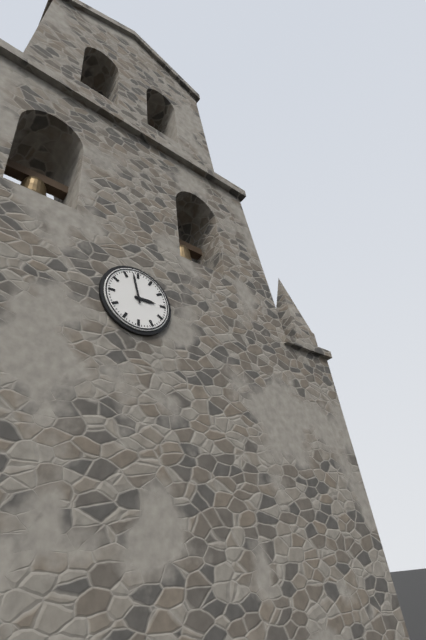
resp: 2,58
